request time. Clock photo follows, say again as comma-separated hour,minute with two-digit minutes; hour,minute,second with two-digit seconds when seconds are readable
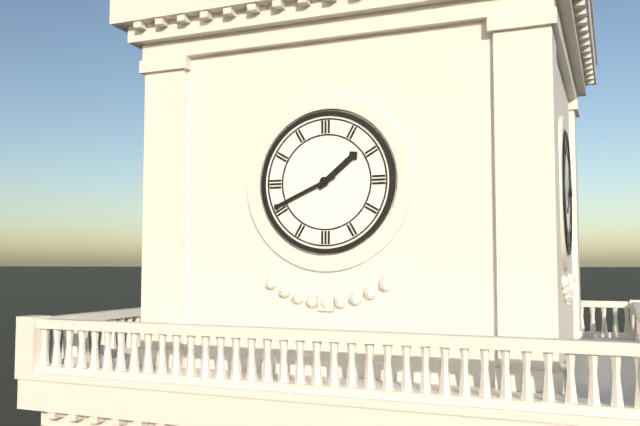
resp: 1,41
